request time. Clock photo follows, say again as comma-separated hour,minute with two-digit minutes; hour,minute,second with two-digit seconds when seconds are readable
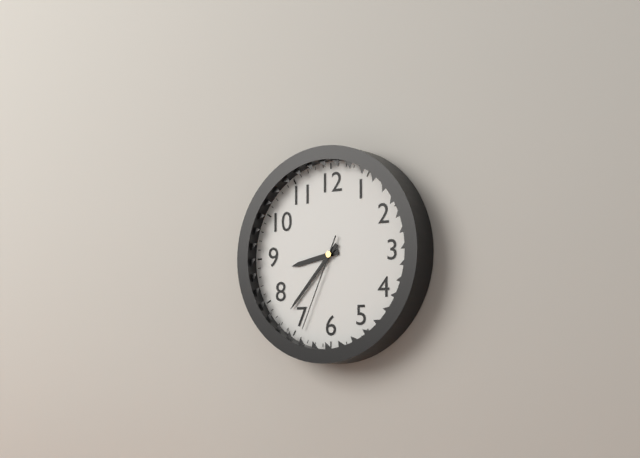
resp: 8,37,34
